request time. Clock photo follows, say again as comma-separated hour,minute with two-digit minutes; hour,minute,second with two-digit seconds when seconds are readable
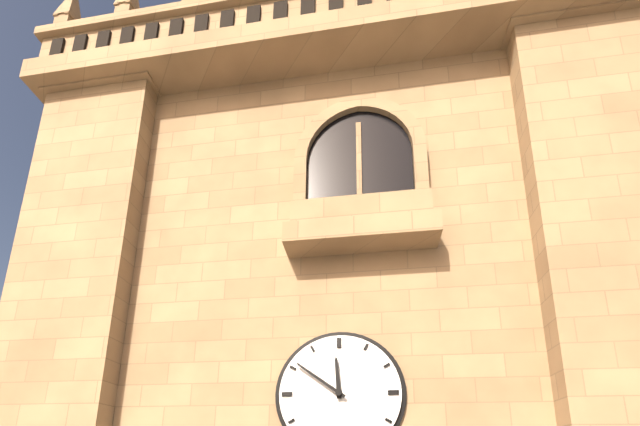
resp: 11,51
